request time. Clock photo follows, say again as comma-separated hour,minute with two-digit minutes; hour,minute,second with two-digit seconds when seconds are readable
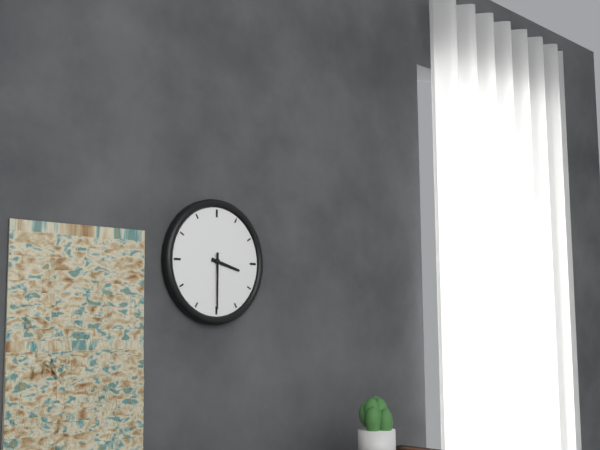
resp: 3,30
